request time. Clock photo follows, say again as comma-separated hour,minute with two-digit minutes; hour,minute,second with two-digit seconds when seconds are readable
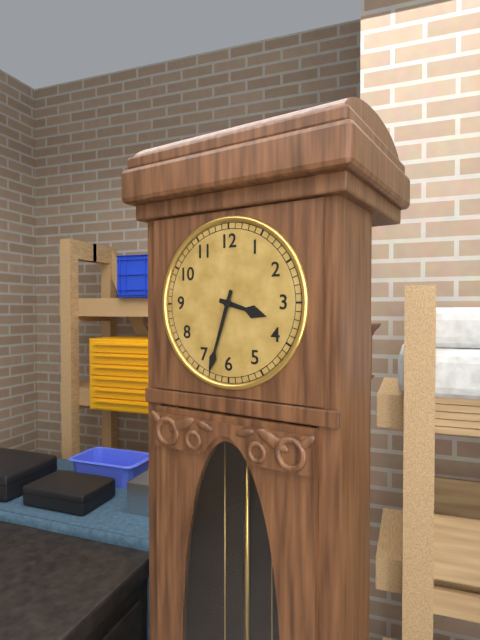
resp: 3,33
